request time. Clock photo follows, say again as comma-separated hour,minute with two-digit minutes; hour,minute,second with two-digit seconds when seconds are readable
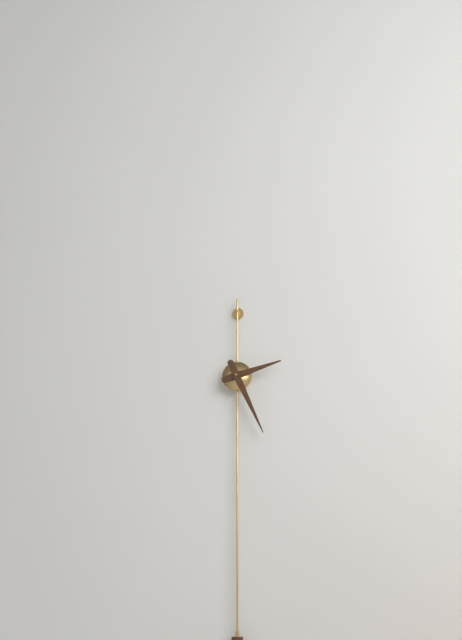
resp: 2,26
